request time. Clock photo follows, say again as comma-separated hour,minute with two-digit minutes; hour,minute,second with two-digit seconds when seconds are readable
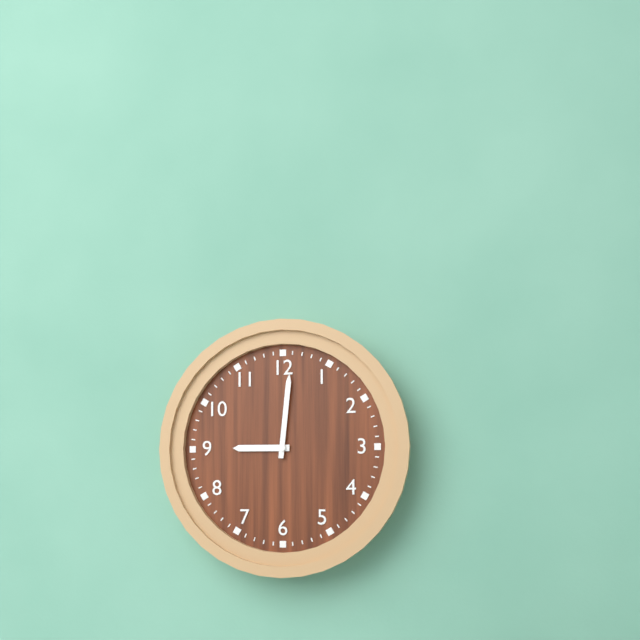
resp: 9,01
